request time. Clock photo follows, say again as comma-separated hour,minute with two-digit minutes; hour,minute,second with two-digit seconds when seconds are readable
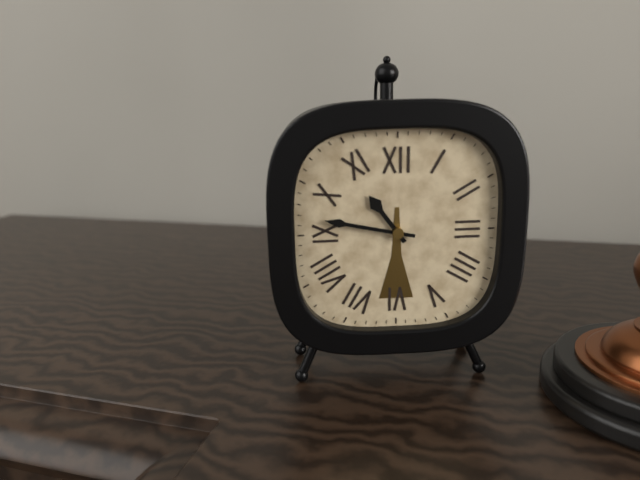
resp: 10,47
